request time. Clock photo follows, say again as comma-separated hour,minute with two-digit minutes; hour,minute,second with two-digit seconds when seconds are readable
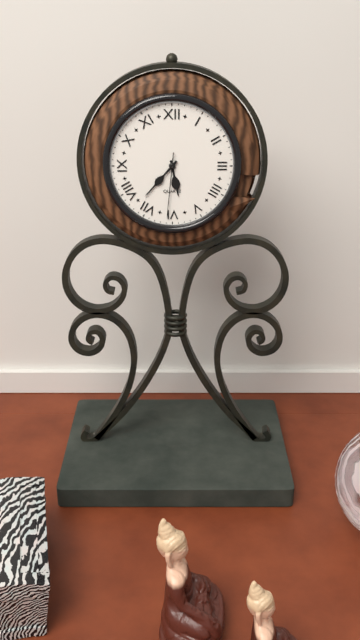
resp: 5,37,31
